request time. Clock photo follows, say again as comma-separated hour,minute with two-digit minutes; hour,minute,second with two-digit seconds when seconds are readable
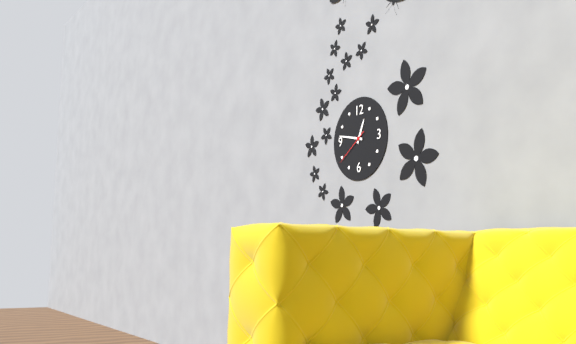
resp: 12,47
